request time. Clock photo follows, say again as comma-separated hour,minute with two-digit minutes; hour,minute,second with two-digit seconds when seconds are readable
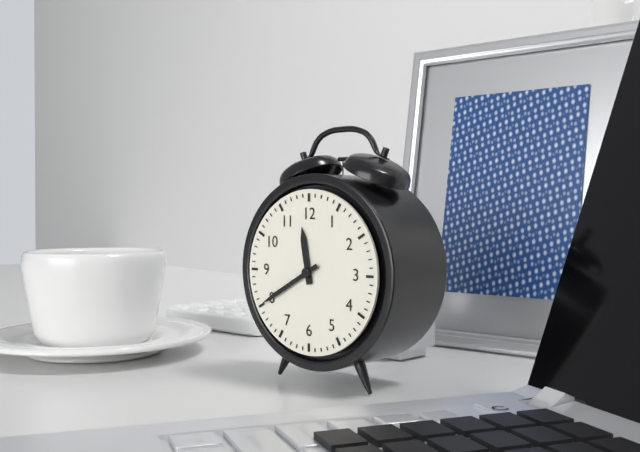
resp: 11,40
